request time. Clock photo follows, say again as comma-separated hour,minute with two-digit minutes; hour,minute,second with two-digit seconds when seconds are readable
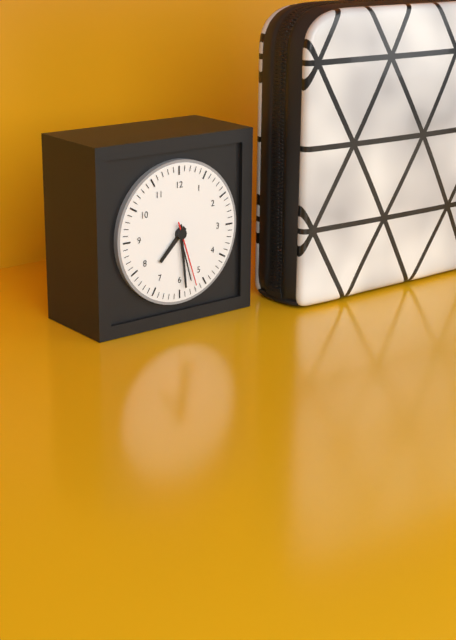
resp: 7,29,27
